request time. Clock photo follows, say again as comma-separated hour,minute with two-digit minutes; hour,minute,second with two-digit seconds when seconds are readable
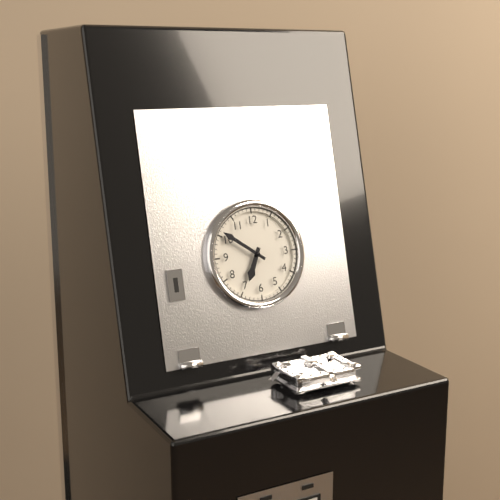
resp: 6,51
